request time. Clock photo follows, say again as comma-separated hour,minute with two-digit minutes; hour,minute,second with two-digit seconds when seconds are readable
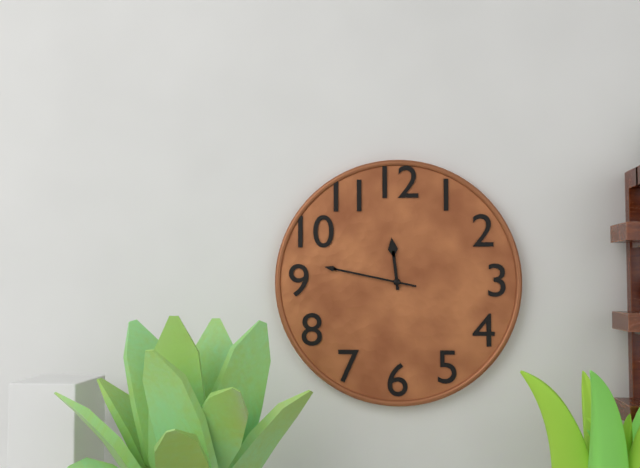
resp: 11,47
